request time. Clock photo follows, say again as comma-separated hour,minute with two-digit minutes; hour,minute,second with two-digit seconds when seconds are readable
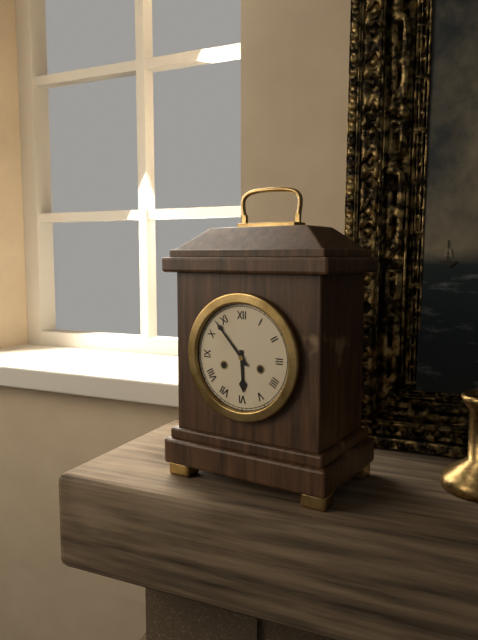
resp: 5,53
